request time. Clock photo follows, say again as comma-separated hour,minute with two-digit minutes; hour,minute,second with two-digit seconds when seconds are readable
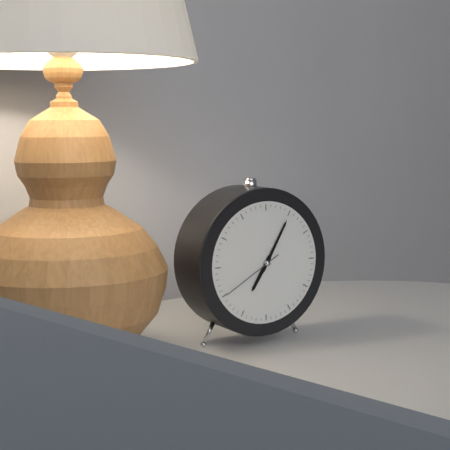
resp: 7,05,40
